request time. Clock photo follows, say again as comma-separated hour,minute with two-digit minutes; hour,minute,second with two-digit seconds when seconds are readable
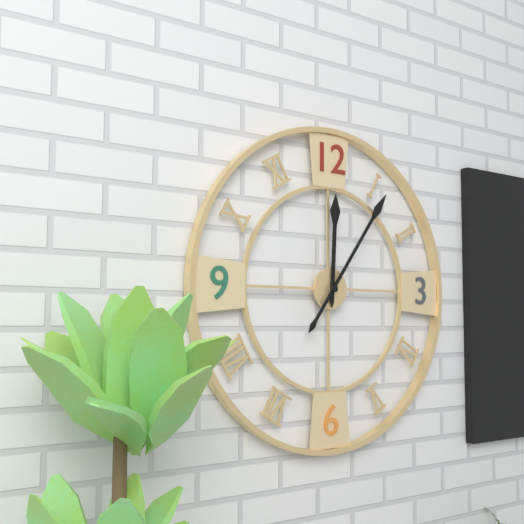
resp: 12,06
